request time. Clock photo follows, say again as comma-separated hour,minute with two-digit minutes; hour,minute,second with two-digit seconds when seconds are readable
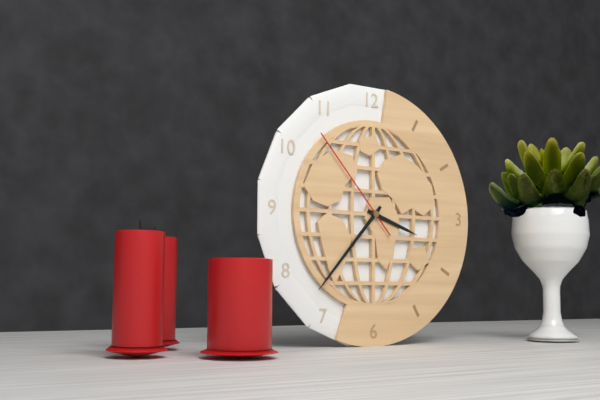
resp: 3,37,53
